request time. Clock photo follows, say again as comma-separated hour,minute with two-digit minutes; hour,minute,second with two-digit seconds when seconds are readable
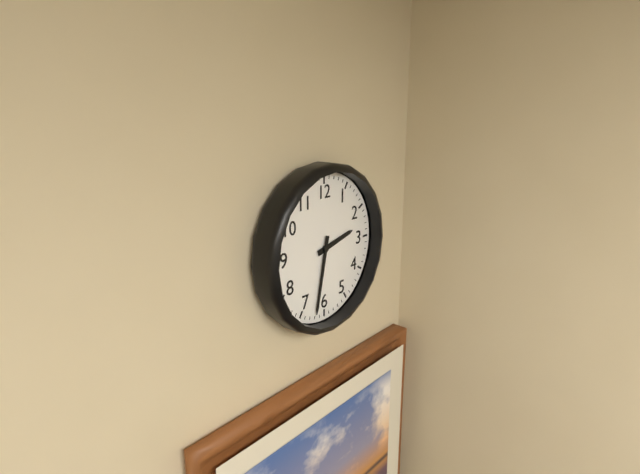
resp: 2,32
